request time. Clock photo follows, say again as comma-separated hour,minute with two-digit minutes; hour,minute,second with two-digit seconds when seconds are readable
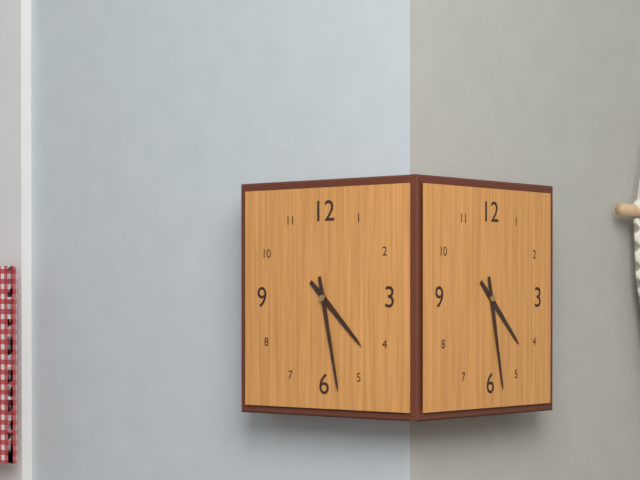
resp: 4,28
